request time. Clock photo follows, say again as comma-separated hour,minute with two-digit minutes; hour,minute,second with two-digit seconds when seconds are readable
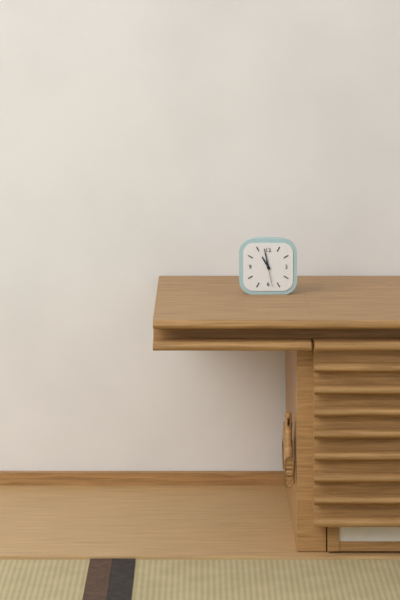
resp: 10,58
